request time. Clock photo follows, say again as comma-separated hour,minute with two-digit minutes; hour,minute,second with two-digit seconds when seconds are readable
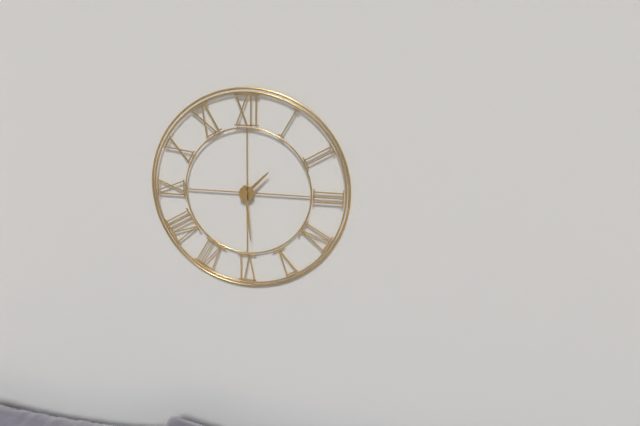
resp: 1,29
